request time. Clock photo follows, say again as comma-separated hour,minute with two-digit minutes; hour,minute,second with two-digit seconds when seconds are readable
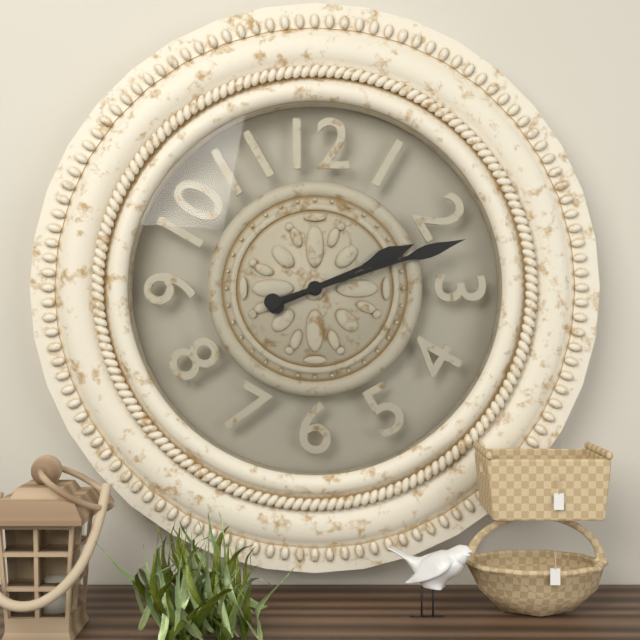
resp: 2,12
